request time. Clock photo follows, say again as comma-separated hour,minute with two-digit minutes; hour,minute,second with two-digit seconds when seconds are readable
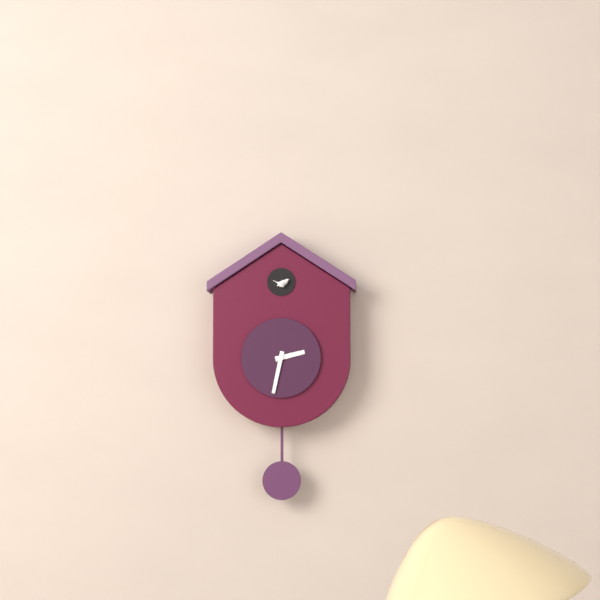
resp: 2,32
